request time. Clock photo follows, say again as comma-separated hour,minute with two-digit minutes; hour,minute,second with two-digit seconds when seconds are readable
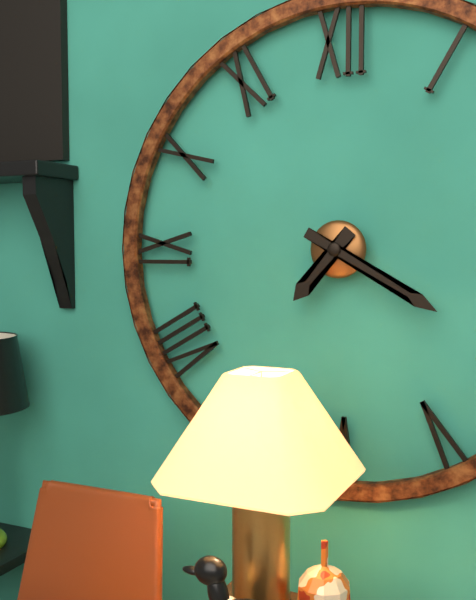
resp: 7,20
